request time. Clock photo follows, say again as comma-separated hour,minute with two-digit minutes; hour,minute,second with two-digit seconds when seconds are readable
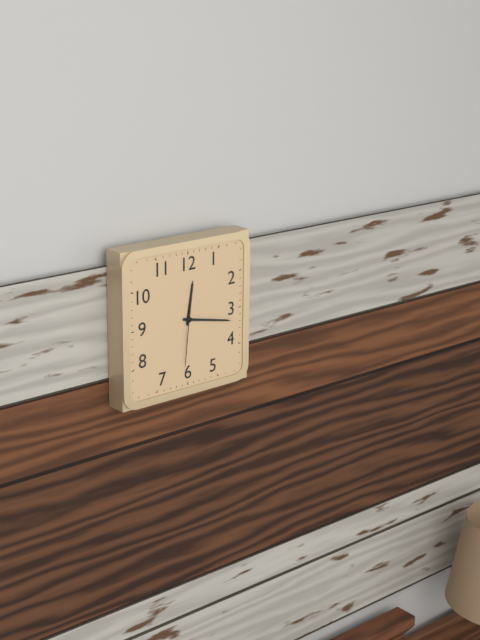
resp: 12,17,31
